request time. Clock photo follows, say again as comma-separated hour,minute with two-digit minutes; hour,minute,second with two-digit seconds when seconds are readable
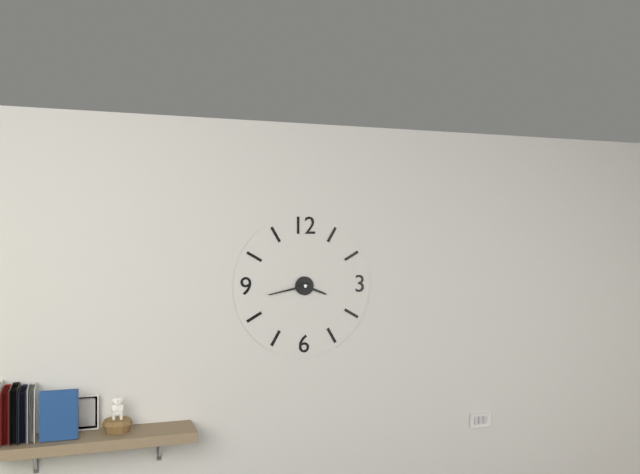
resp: 3,43
